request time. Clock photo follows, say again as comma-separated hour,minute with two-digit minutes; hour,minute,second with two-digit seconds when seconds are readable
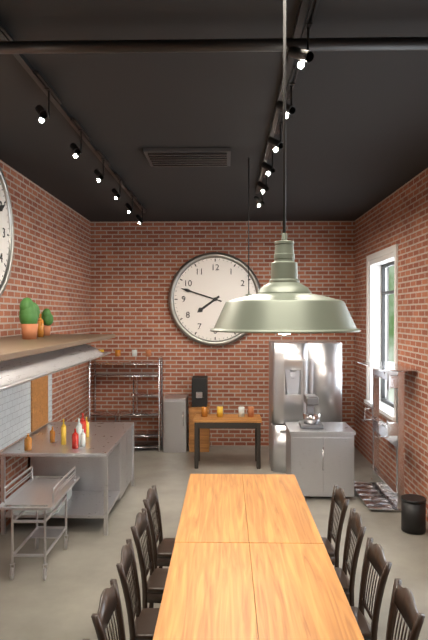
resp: 7,48
